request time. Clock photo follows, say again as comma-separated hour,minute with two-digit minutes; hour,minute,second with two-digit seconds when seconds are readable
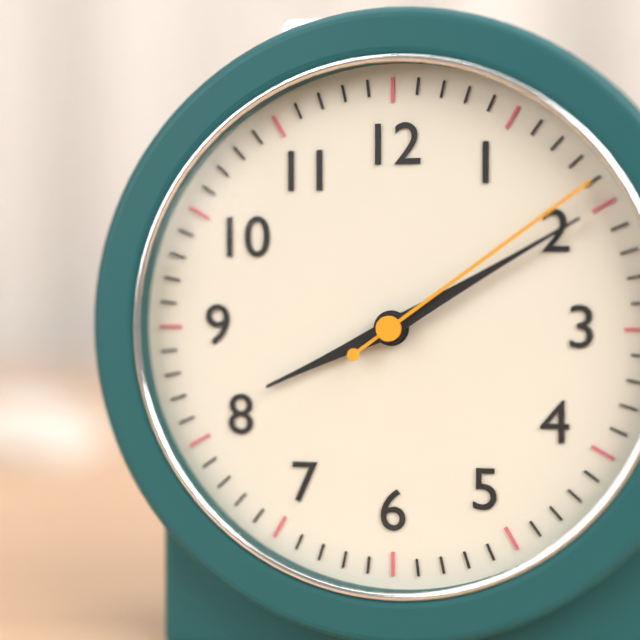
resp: 8,10,09
